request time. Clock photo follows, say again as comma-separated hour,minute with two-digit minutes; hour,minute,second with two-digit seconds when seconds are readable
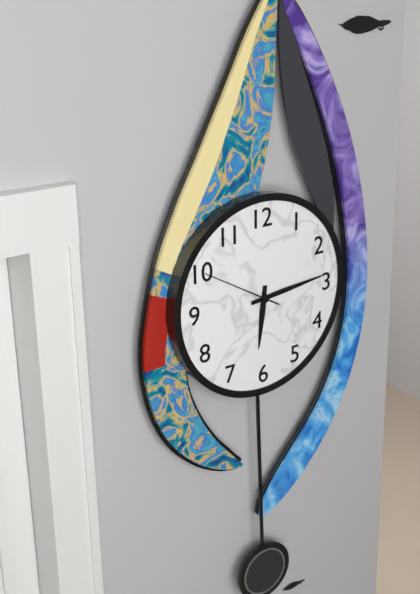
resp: 6,14,50
